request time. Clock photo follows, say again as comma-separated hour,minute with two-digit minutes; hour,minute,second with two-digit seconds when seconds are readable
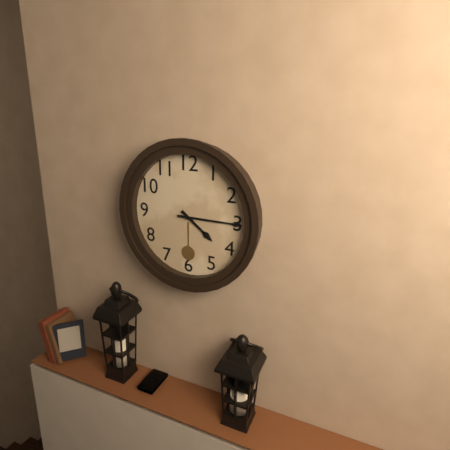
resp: 4,15
